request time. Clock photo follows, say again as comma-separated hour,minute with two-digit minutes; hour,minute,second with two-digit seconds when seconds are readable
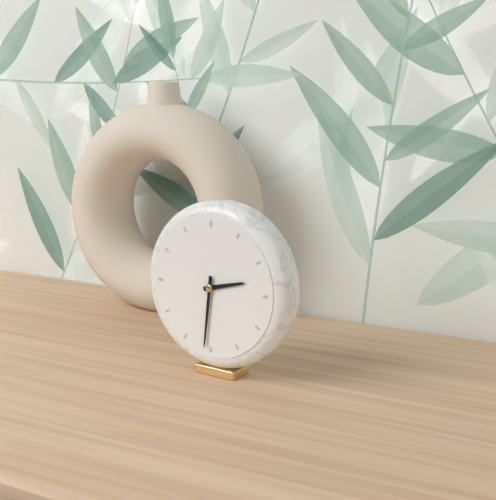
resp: 2,31
